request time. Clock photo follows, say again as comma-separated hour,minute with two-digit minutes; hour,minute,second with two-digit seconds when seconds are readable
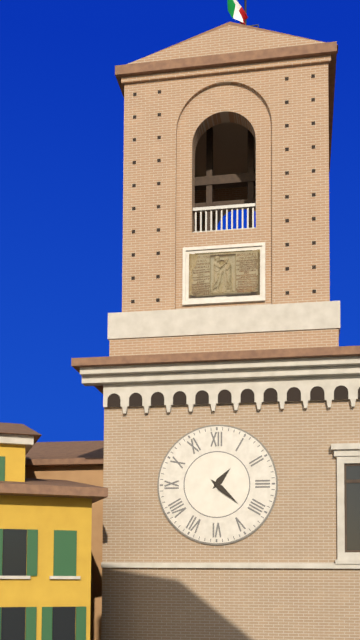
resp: 1,22
